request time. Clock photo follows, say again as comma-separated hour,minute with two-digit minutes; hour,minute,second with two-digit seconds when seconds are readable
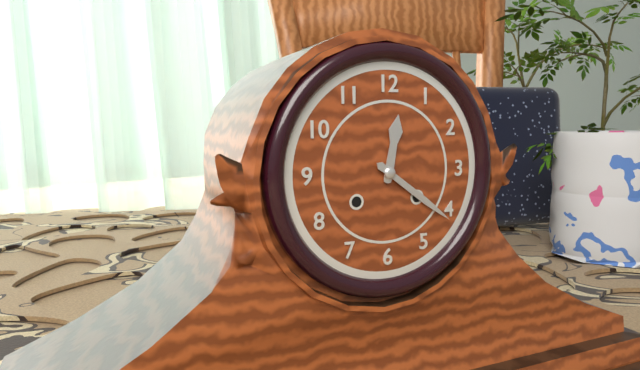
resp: 12,21
